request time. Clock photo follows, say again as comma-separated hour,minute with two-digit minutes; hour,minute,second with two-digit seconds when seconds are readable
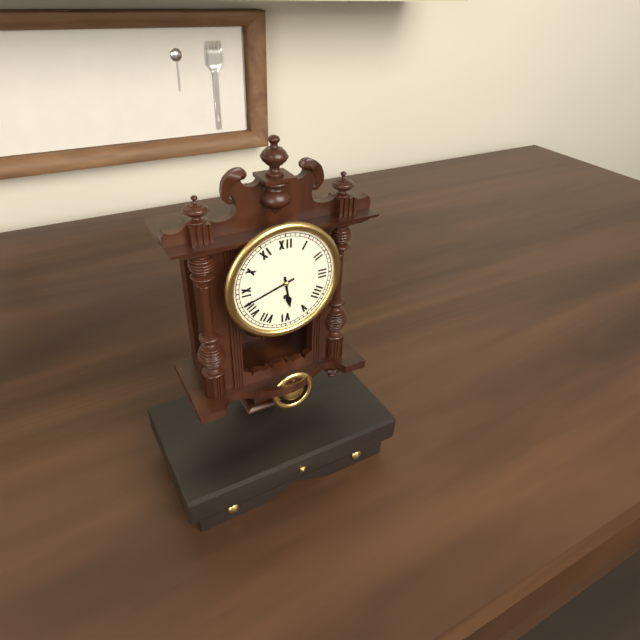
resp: 5,42
